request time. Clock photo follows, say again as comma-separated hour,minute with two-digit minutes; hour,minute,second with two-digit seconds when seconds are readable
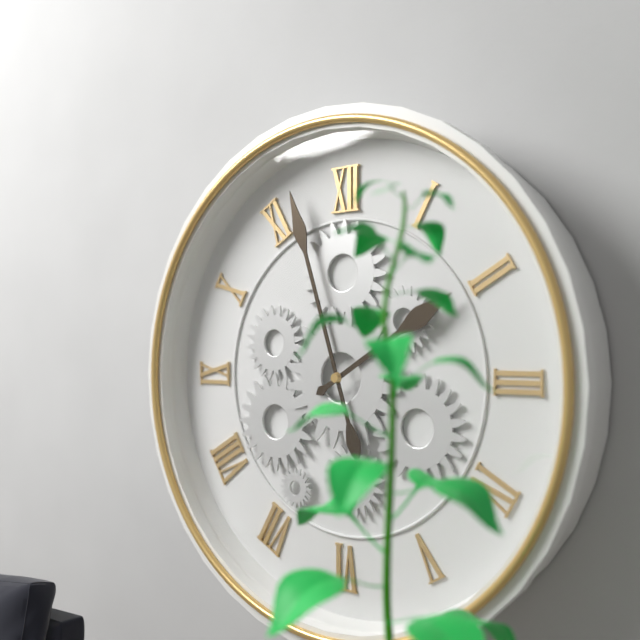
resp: 1,57
